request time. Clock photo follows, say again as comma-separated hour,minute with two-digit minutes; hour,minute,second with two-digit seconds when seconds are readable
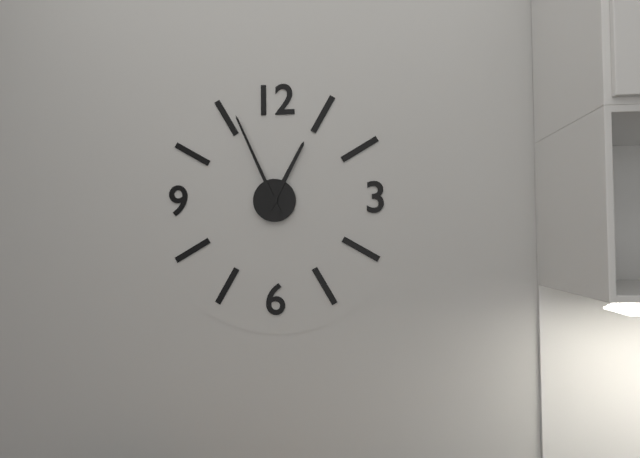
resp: 12,56
